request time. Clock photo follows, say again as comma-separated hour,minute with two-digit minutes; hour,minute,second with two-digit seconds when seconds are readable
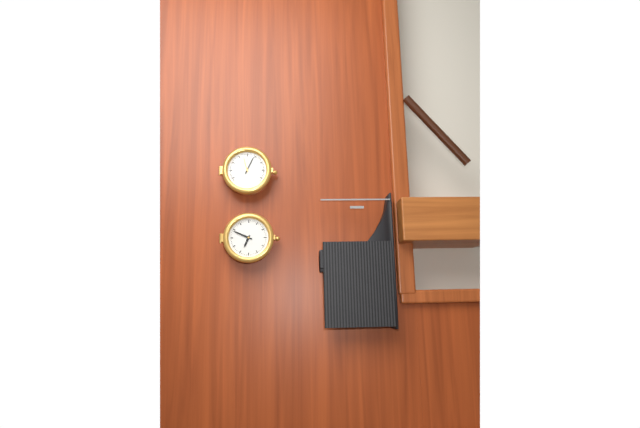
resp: 6,49
